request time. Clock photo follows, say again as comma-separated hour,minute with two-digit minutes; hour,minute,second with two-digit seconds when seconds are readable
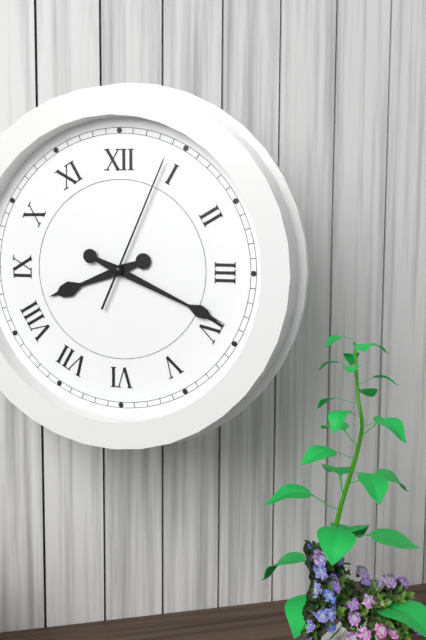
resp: 8,19,04
